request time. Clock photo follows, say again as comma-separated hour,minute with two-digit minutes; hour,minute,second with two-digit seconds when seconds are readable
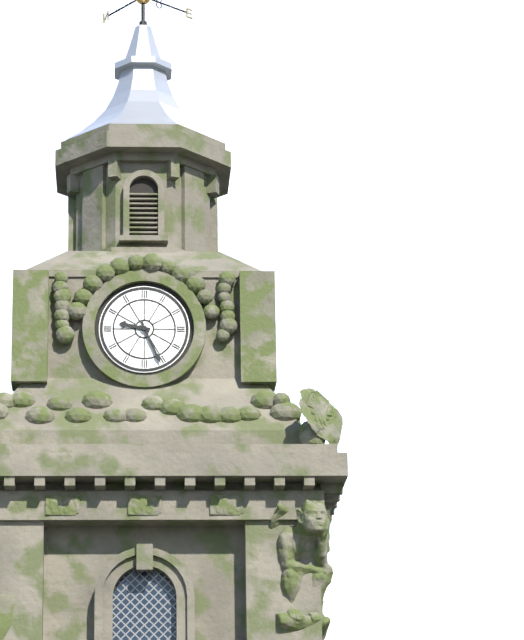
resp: 9,26
